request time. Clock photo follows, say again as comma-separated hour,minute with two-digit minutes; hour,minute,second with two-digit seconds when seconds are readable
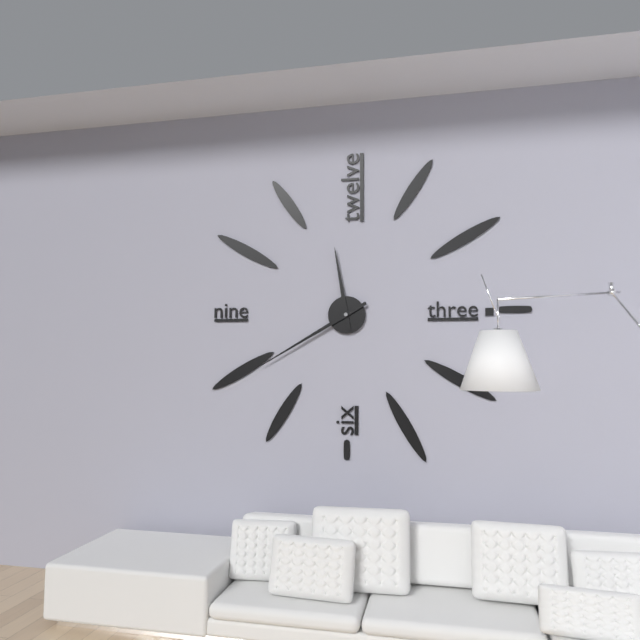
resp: 11,40
